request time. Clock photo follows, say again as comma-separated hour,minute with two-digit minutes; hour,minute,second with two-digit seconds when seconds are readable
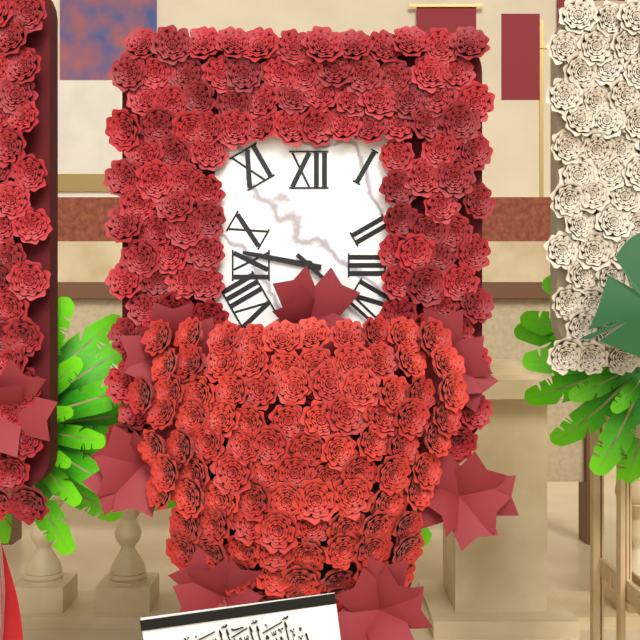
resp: 9,22
